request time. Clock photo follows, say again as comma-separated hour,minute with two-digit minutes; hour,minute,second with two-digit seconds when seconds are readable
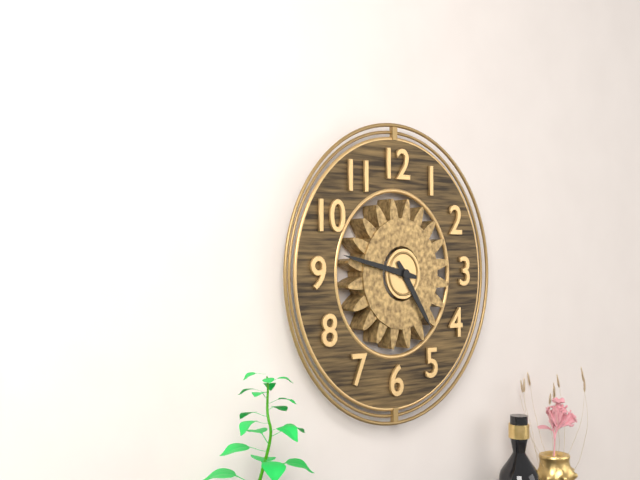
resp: 4,47
